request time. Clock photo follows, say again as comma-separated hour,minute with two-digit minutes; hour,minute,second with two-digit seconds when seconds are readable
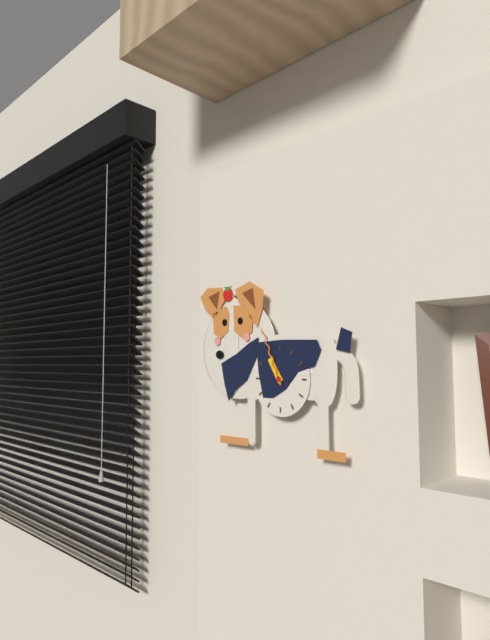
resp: 10,56
